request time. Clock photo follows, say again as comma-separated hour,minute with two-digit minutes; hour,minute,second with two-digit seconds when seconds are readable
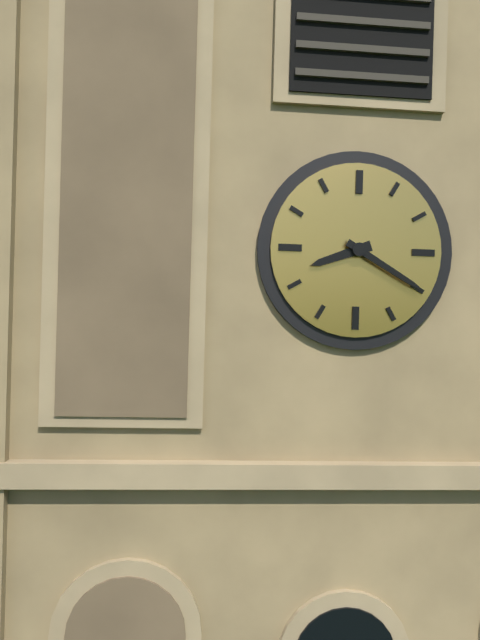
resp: 8,20
